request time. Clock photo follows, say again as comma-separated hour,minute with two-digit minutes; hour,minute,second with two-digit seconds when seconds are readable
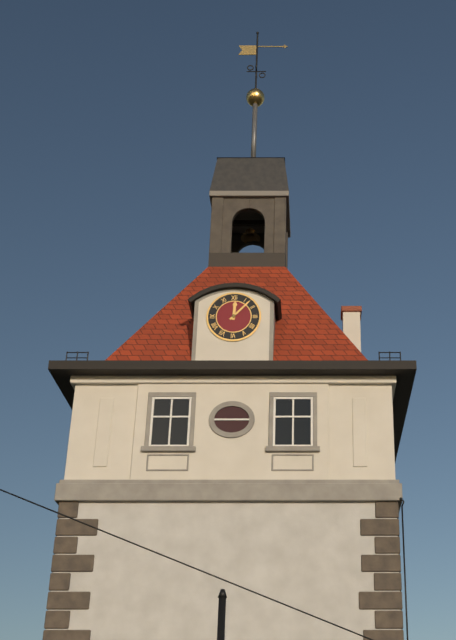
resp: 12,07
